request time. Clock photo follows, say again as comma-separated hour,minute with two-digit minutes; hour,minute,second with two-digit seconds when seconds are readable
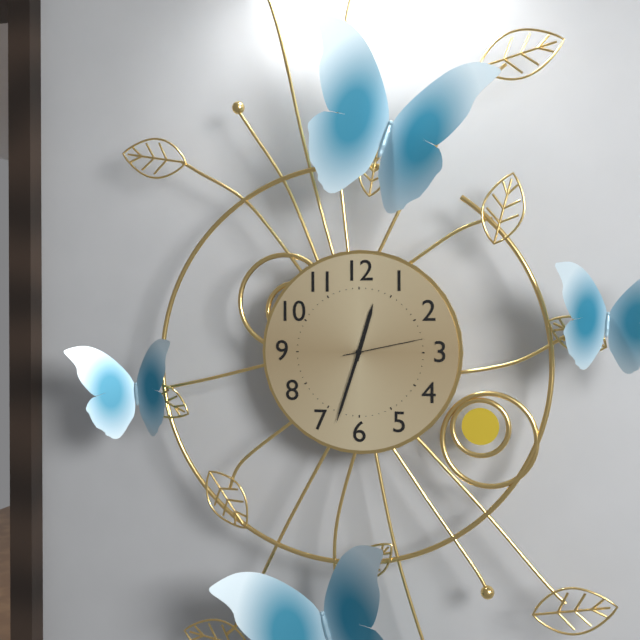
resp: 12,33,13
